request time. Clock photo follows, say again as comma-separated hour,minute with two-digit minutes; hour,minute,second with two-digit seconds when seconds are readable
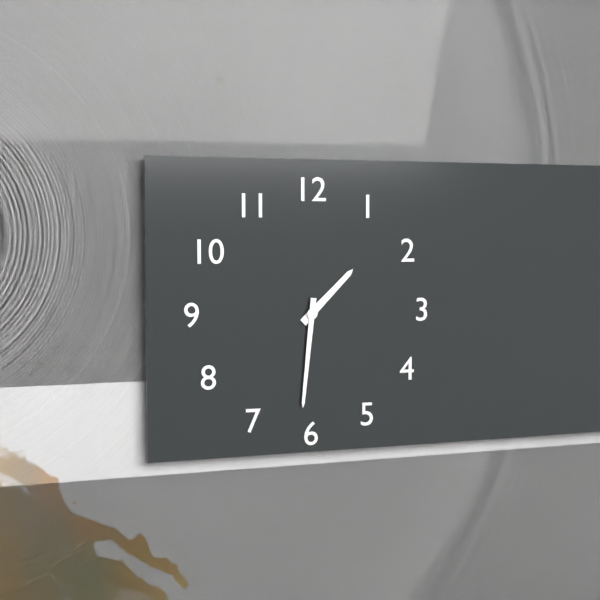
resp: 1,31
